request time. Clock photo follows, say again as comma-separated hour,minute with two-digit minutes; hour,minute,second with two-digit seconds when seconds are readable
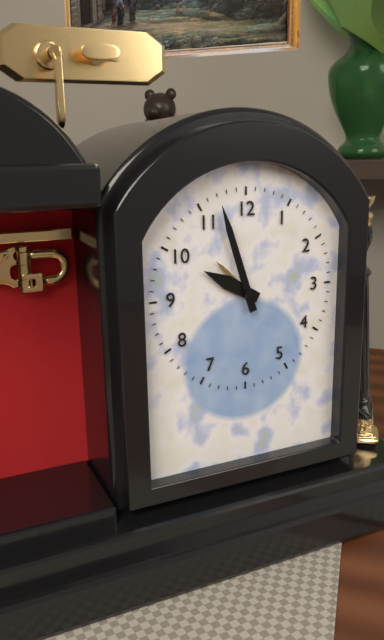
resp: 9,57
